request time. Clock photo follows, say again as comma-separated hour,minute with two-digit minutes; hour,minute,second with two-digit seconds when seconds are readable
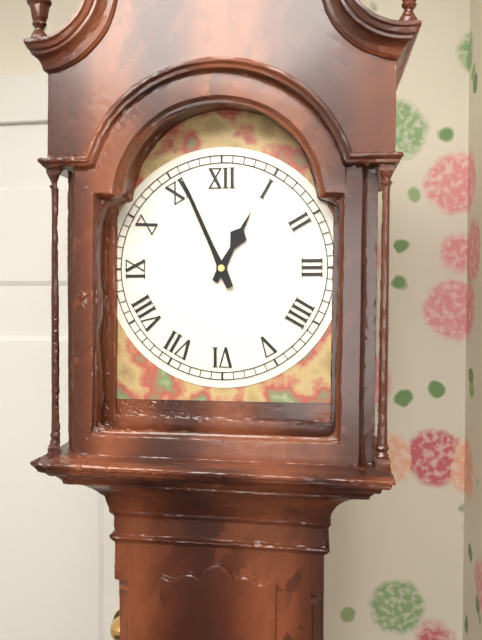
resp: 12,56
